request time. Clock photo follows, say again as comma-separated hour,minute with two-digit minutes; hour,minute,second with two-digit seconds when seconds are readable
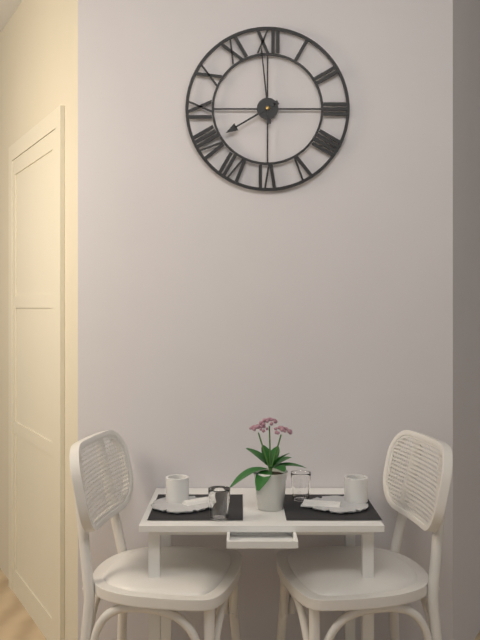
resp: 7,59
